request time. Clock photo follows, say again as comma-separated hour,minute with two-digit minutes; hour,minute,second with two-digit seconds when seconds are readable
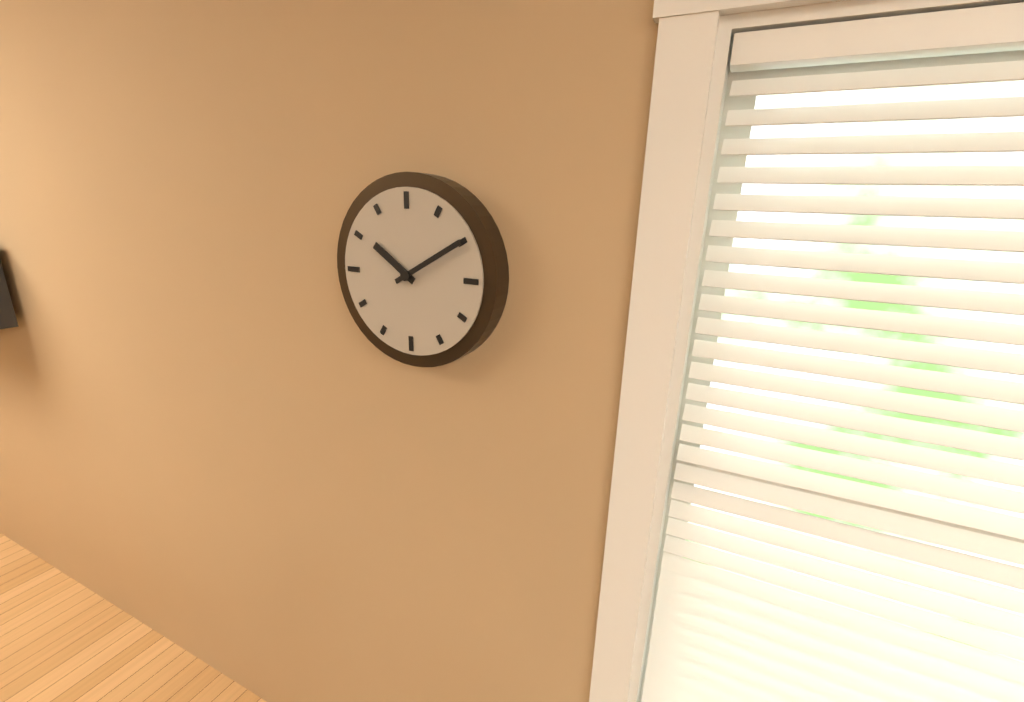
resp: 10,10
